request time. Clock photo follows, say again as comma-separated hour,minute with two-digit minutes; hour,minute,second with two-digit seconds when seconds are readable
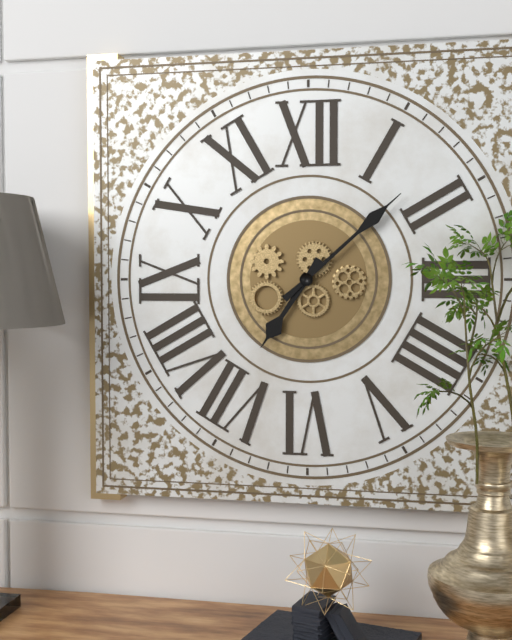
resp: 7,08
